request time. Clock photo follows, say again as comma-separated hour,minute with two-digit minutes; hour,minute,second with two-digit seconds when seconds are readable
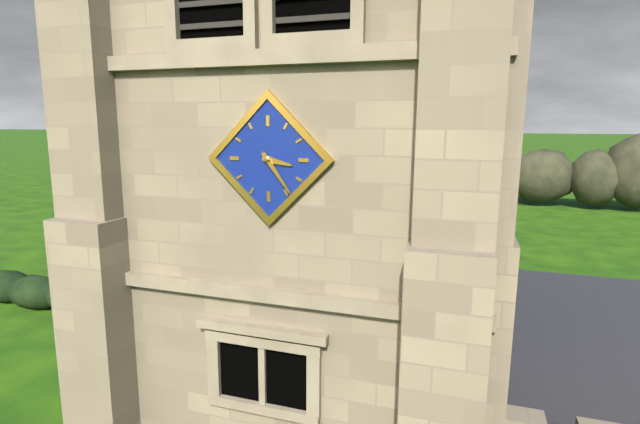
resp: 3,24
